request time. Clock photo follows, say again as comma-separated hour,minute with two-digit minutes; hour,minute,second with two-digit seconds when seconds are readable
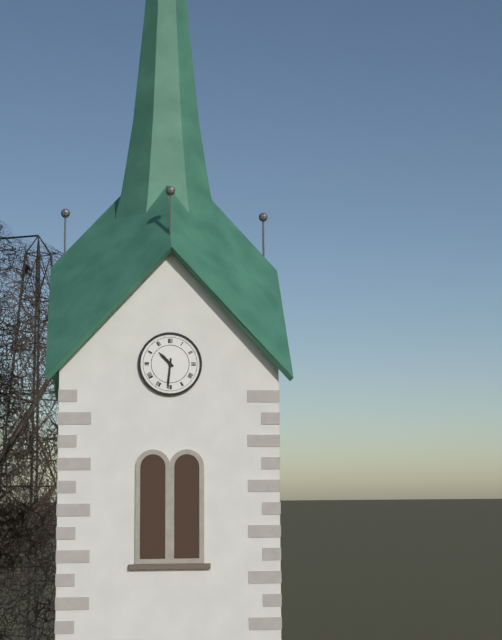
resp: 10,31
